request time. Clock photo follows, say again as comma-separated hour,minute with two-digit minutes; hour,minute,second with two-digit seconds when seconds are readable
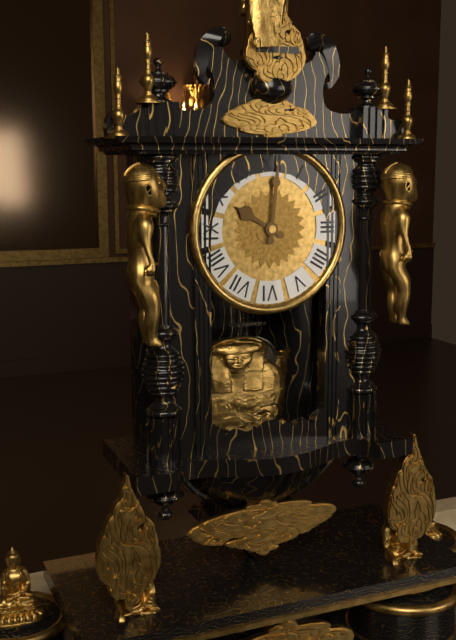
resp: 10,01
